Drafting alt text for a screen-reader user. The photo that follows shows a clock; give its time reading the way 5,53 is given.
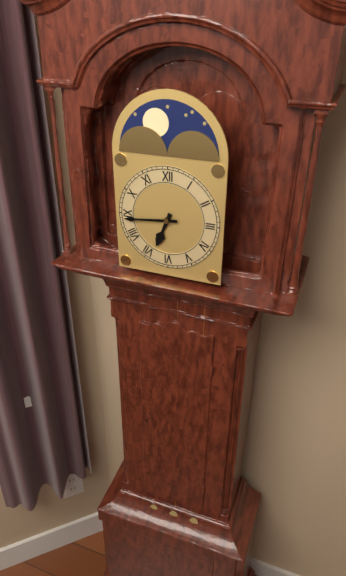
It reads 6,44
